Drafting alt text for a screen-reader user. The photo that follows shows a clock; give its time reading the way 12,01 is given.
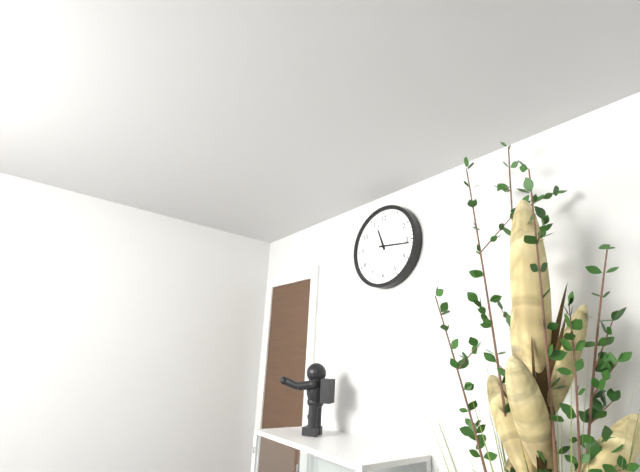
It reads 11,16
